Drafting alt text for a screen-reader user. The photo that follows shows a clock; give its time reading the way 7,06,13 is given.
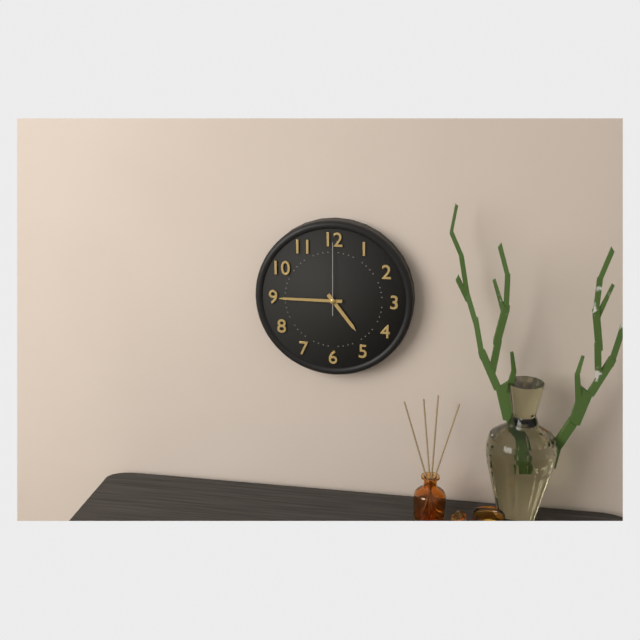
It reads 4,45,00
